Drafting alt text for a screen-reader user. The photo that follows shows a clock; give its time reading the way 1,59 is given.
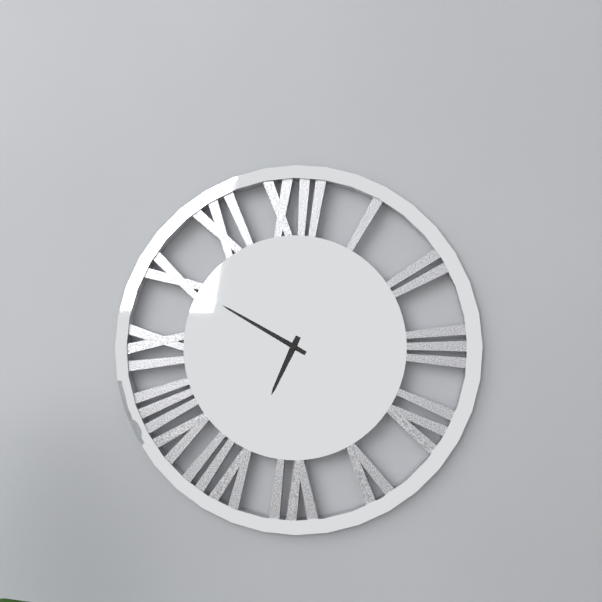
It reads 6,50
